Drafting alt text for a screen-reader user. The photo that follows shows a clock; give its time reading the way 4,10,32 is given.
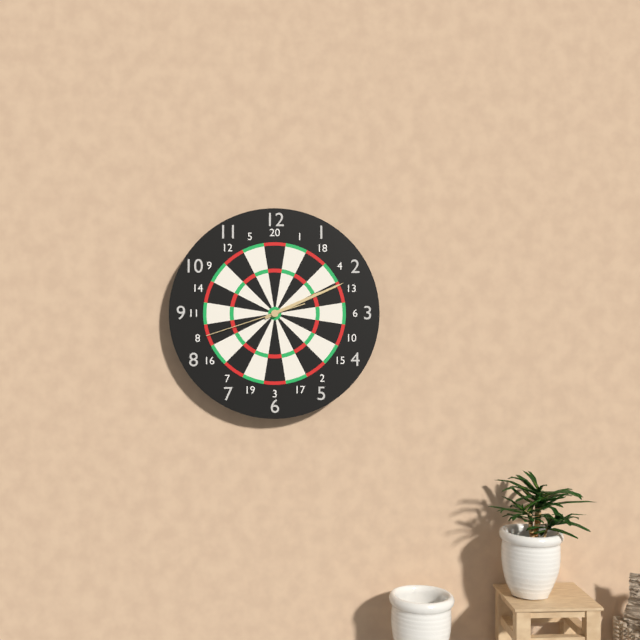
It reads 2,11,42
